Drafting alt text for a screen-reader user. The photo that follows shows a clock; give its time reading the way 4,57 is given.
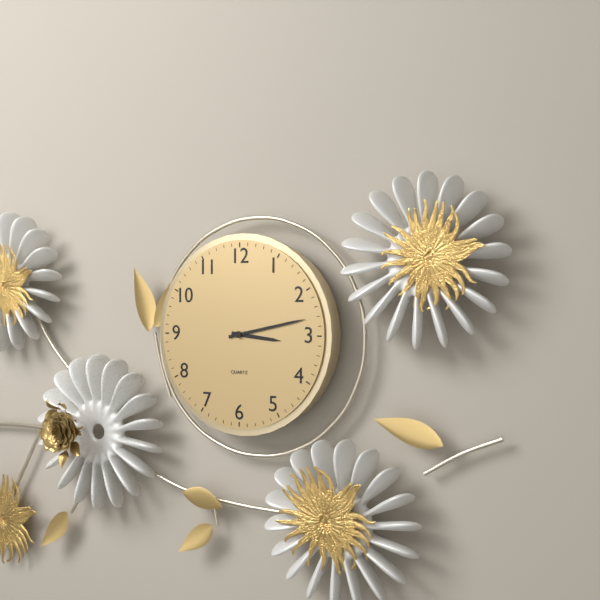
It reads 3,13
